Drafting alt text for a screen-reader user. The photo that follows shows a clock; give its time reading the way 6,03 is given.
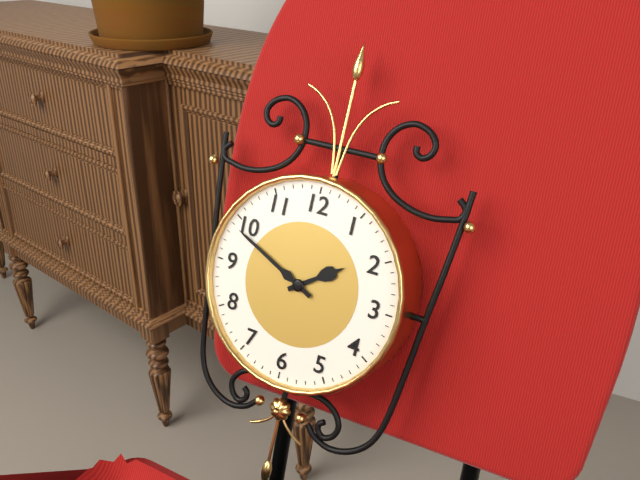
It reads 1,49
